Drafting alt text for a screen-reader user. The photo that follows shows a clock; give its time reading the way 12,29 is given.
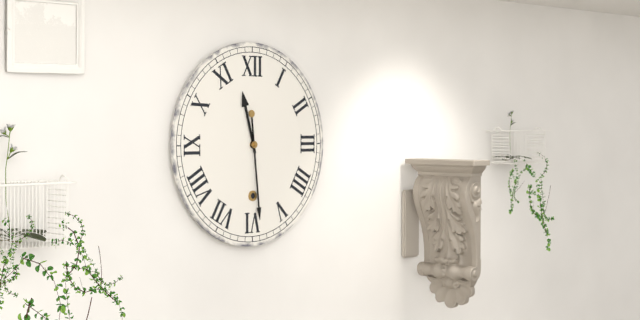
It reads 11,29
